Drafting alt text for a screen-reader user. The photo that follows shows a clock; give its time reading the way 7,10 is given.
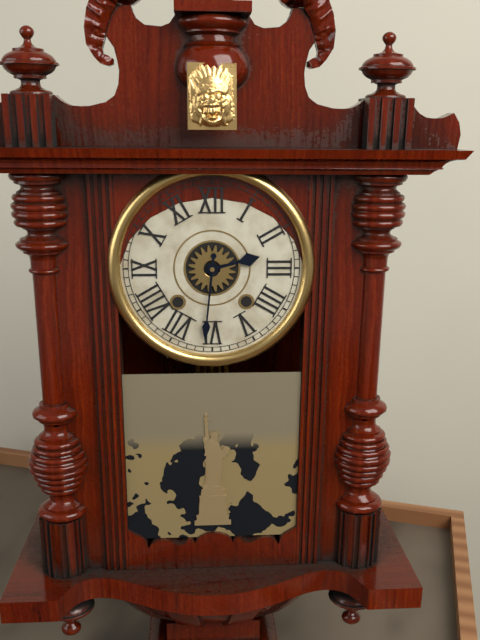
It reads 2,31
